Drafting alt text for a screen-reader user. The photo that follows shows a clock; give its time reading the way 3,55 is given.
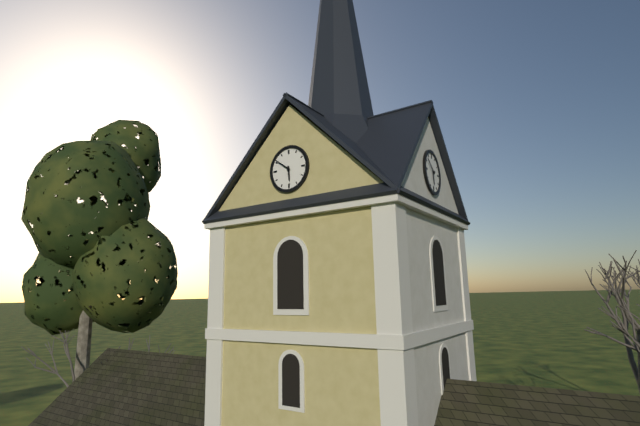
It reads 5,51
